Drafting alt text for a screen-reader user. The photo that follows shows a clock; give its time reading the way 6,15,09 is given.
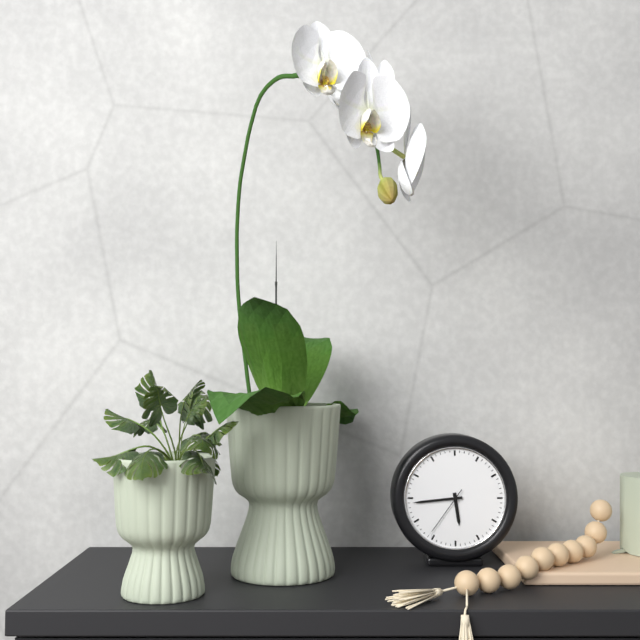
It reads 5,44,36
